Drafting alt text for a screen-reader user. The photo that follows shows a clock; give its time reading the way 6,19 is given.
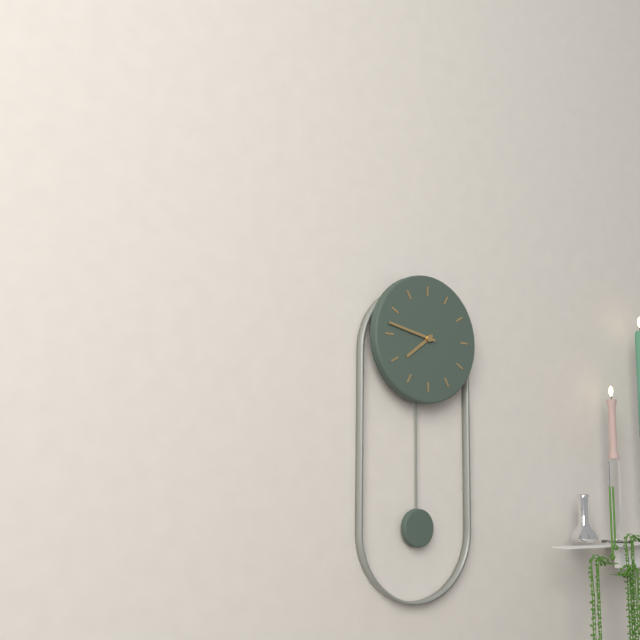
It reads 7,47
